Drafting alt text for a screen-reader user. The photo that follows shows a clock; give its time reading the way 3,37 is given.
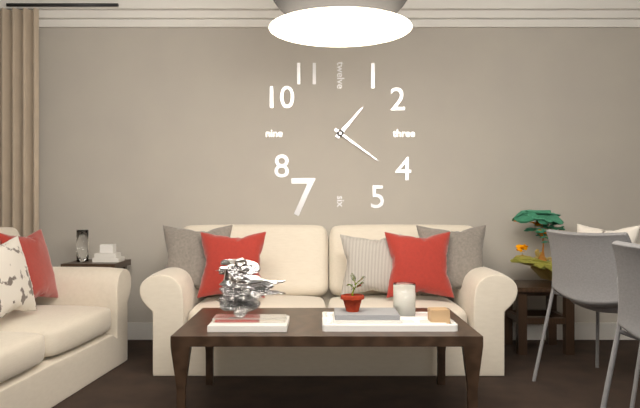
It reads 1,21
